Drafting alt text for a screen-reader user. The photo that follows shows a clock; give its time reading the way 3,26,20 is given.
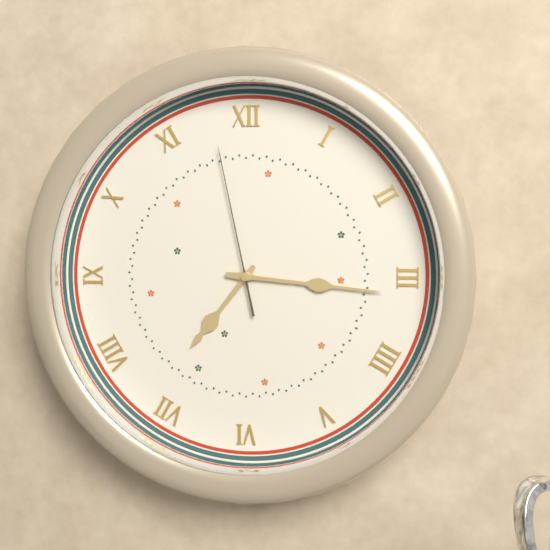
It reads 7,16,58
